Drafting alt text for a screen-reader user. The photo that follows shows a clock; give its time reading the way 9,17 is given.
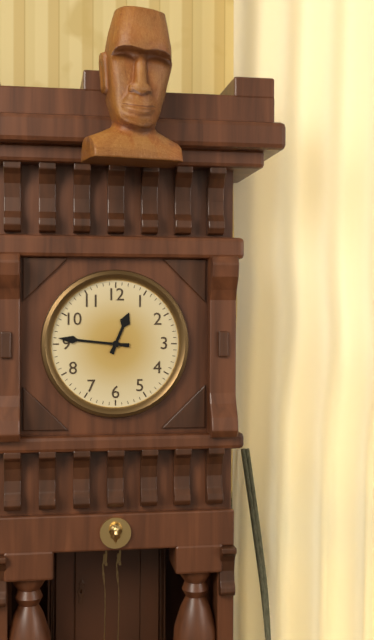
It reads 12,46
